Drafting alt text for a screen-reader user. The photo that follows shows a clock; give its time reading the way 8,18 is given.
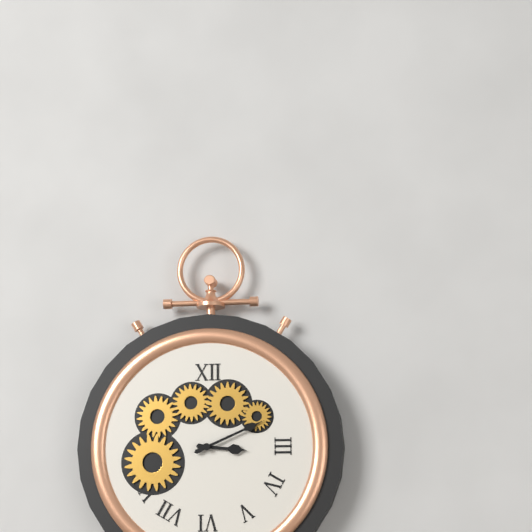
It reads 3,11
